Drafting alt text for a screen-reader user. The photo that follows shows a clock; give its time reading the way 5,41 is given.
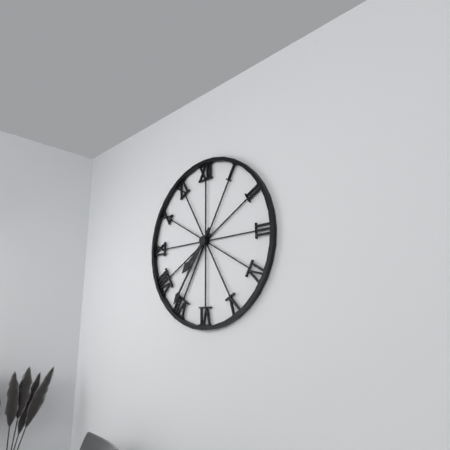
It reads 7,36
